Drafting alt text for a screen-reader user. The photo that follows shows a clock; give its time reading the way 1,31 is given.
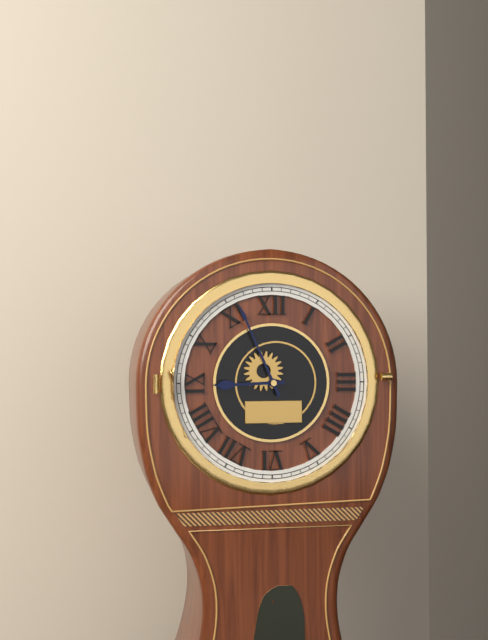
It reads 8,56
